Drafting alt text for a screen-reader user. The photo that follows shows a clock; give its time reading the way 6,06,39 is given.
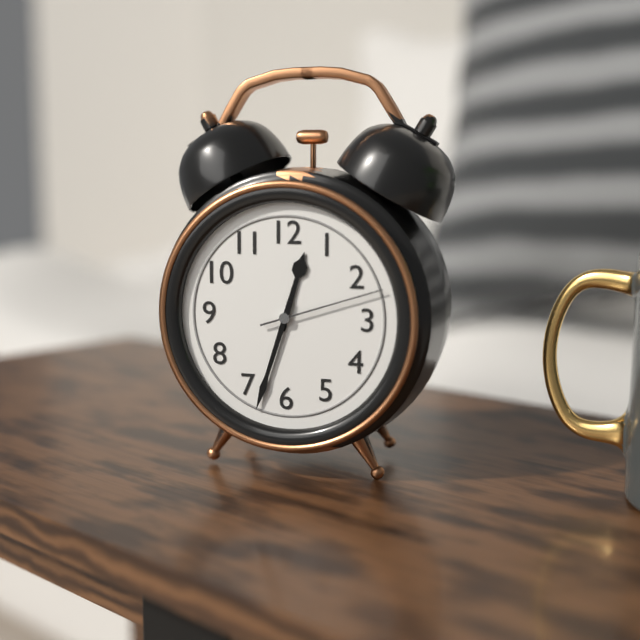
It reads 12,33,12
